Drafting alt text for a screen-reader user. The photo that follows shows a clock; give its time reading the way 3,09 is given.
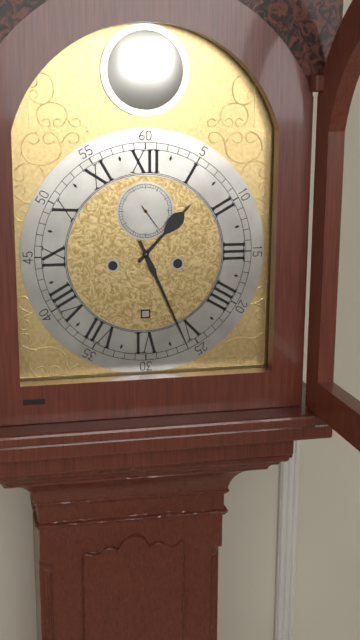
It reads 1,26
